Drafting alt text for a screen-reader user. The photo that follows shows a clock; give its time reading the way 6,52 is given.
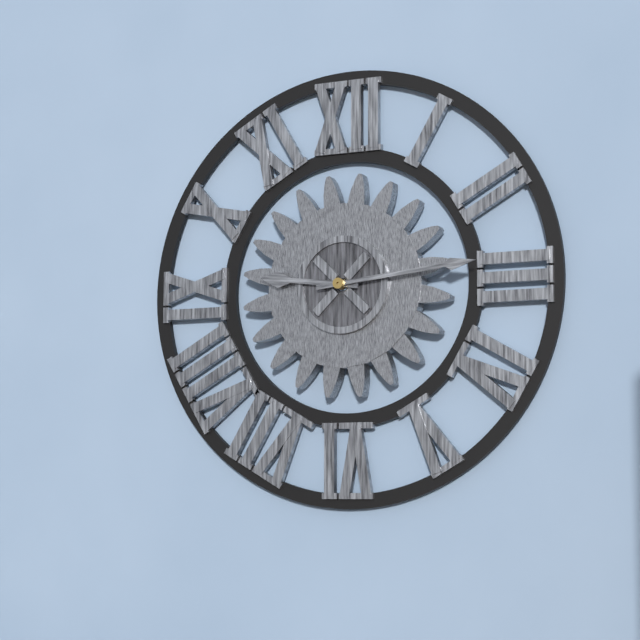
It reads 9,14
